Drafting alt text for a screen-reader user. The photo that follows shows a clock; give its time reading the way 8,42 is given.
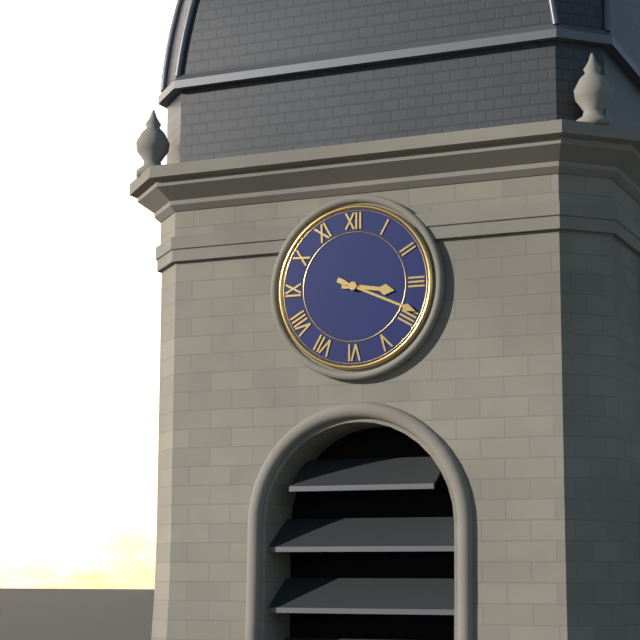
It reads 3,19
